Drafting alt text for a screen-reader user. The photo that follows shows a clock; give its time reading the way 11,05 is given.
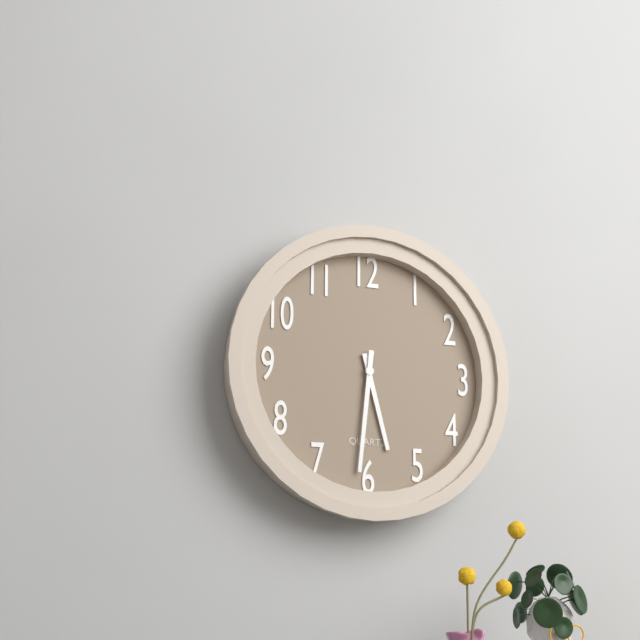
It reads 5,31
